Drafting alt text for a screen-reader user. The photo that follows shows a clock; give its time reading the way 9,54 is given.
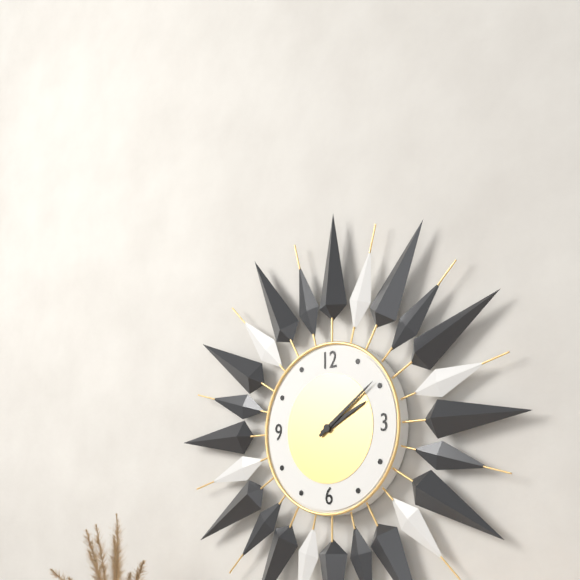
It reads 2,09
